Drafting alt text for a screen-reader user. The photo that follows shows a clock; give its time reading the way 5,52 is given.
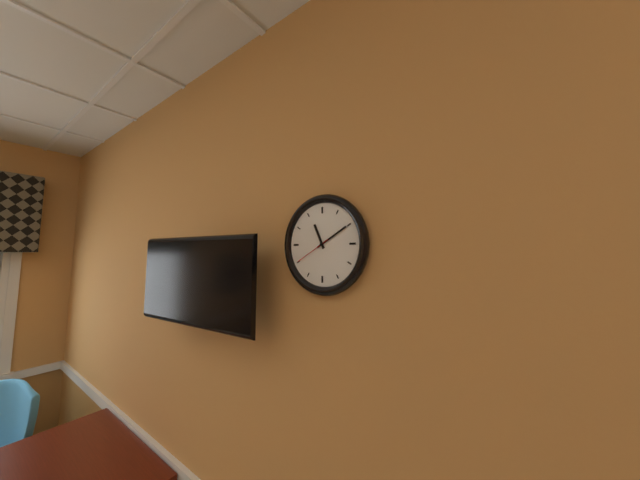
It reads 11,10
